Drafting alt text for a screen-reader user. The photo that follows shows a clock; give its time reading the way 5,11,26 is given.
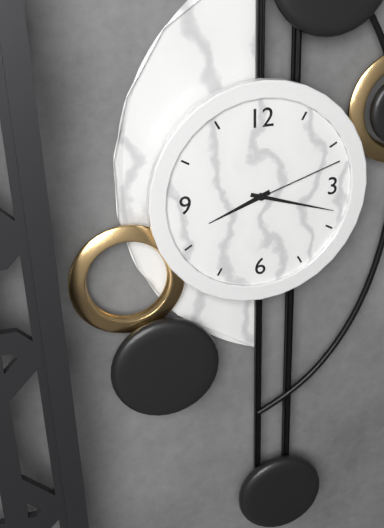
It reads 8,18,12
